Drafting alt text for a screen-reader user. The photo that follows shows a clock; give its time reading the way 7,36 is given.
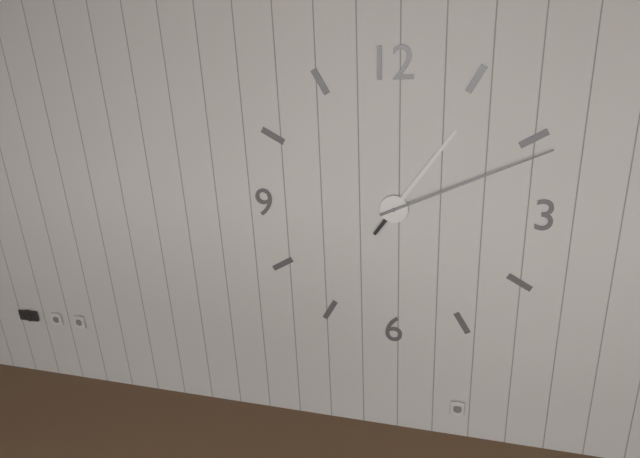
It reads 1,11
